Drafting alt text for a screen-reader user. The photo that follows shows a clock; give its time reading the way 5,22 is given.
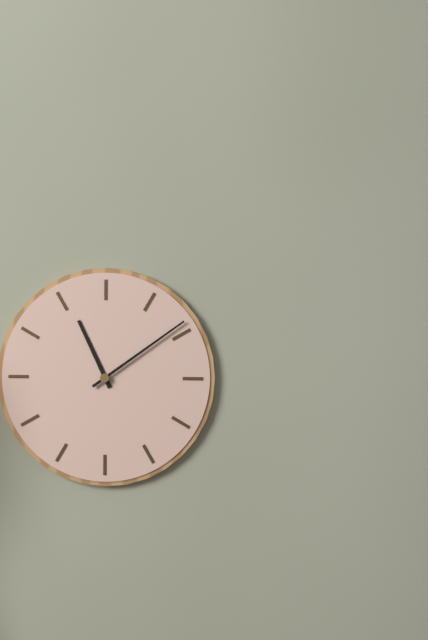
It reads 11,09
